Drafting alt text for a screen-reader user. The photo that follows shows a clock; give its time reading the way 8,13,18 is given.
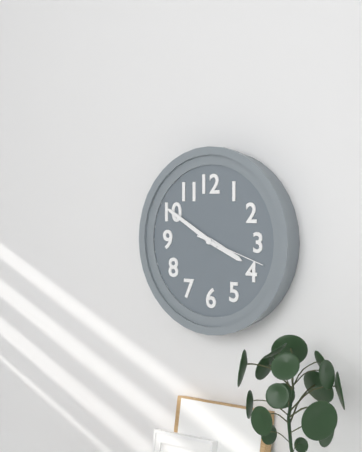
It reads 3,50,18
